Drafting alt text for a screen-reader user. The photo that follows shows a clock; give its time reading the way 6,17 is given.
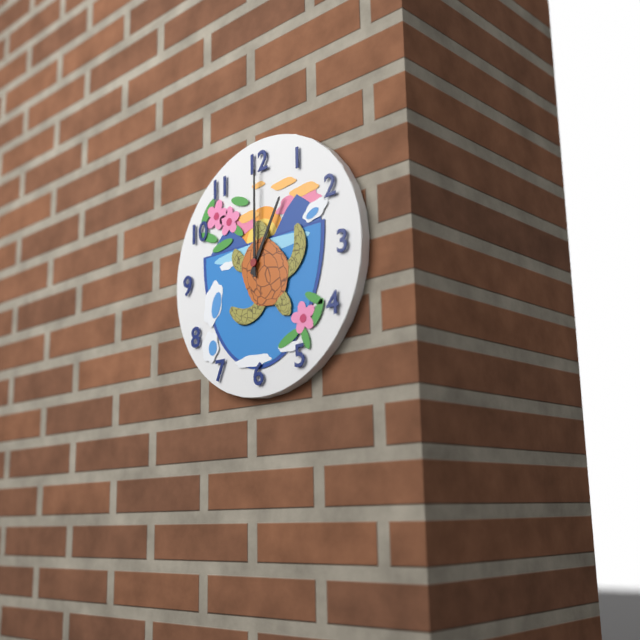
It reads 1,00
